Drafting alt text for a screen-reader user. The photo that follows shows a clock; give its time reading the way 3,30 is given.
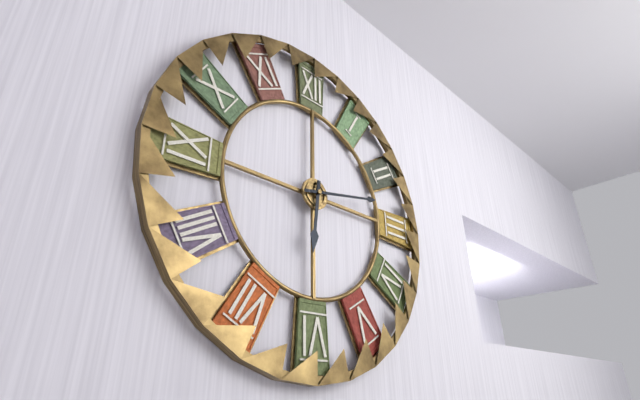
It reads 6,13
